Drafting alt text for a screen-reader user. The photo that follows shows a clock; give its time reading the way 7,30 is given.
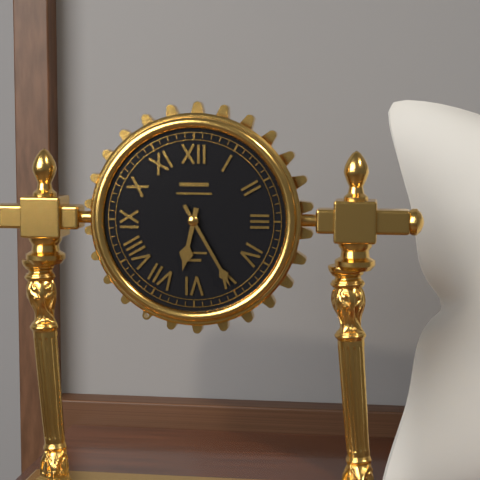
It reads 6,25
